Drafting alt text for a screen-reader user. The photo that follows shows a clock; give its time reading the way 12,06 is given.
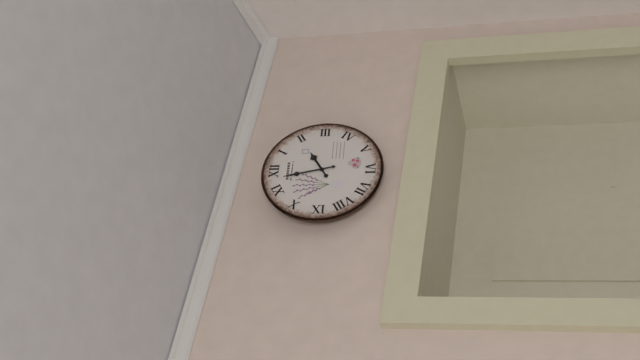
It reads 1,58
